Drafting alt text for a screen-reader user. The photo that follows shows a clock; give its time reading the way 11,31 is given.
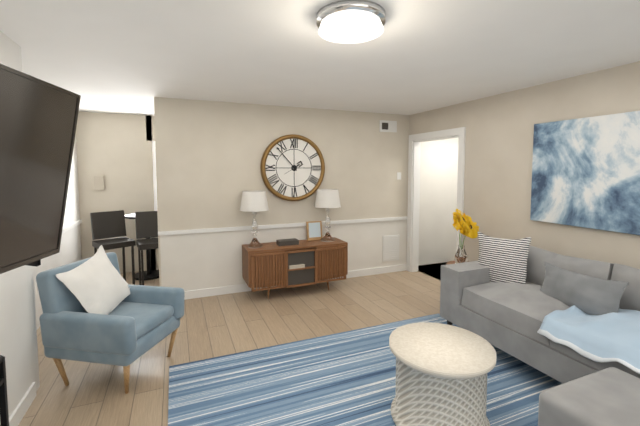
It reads 1,53
